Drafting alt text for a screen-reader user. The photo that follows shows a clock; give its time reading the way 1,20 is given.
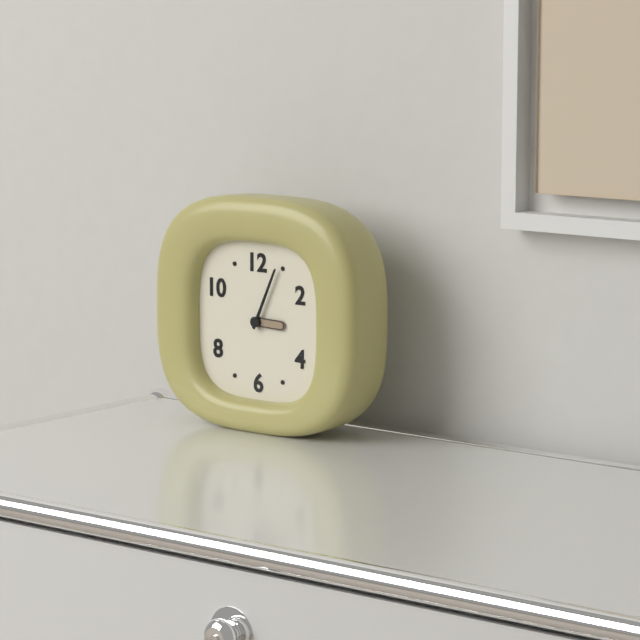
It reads 3,04
